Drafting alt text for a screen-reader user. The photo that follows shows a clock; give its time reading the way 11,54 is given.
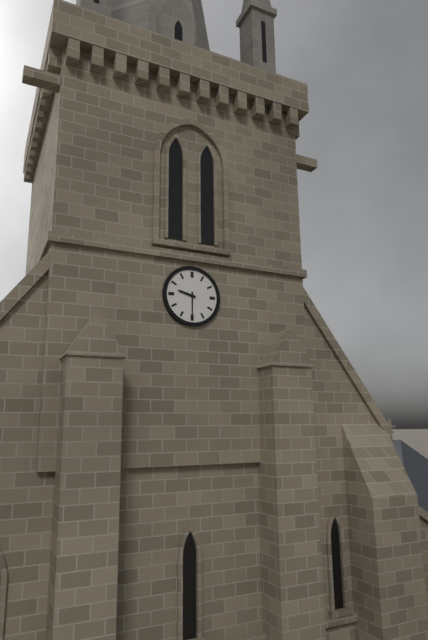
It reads 9,30
